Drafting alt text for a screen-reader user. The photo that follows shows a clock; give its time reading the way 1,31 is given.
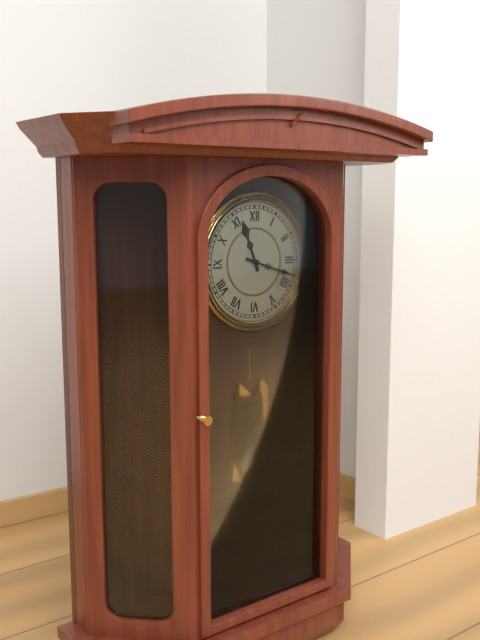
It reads 11,18
